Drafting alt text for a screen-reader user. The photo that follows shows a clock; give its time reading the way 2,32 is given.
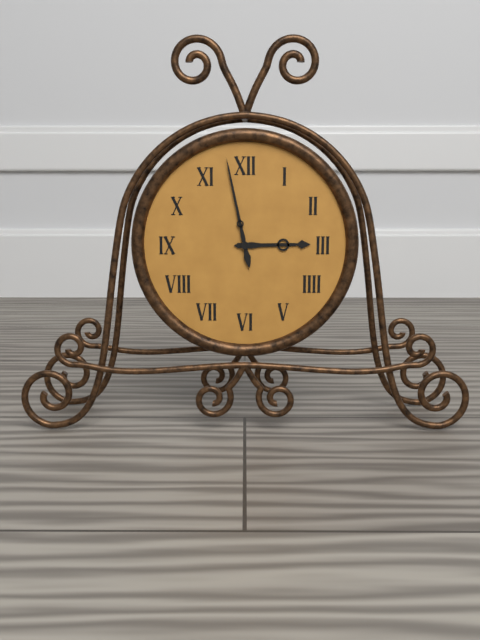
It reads 2,58
